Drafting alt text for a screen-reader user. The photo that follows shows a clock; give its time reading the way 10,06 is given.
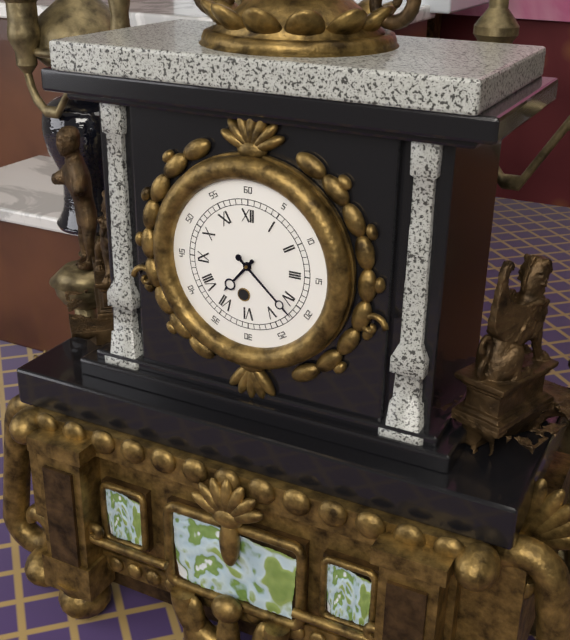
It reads 7,22
